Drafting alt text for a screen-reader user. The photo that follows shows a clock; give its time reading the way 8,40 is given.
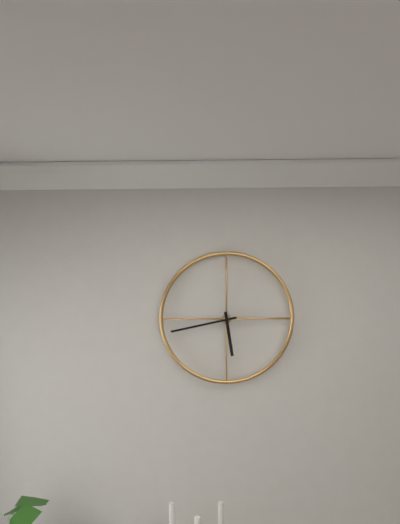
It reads 5,43
